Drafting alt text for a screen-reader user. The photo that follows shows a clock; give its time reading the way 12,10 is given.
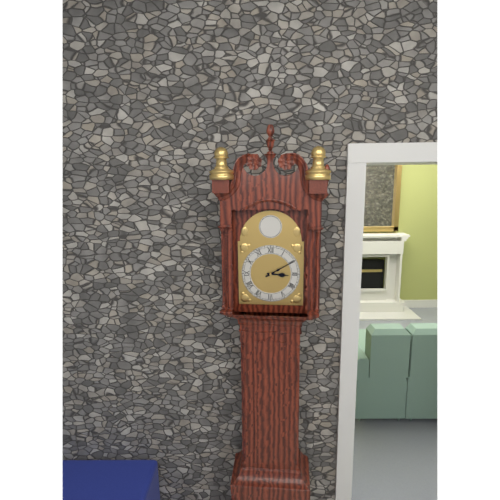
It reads 3,10
